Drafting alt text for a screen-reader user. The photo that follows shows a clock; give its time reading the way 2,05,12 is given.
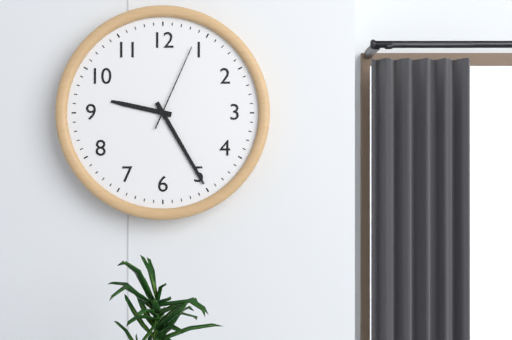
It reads 9,25,04
